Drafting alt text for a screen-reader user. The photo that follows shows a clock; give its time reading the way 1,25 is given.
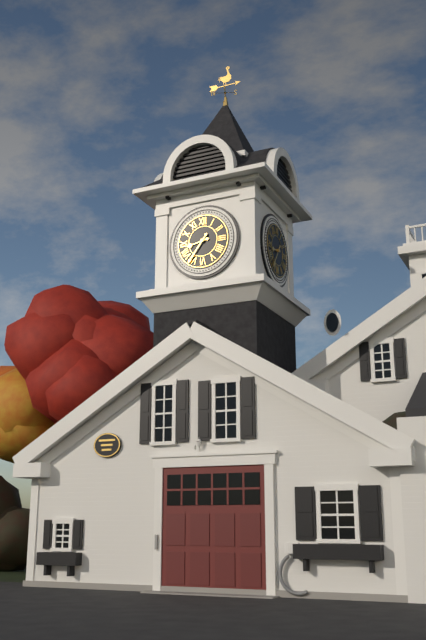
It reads 8,36
